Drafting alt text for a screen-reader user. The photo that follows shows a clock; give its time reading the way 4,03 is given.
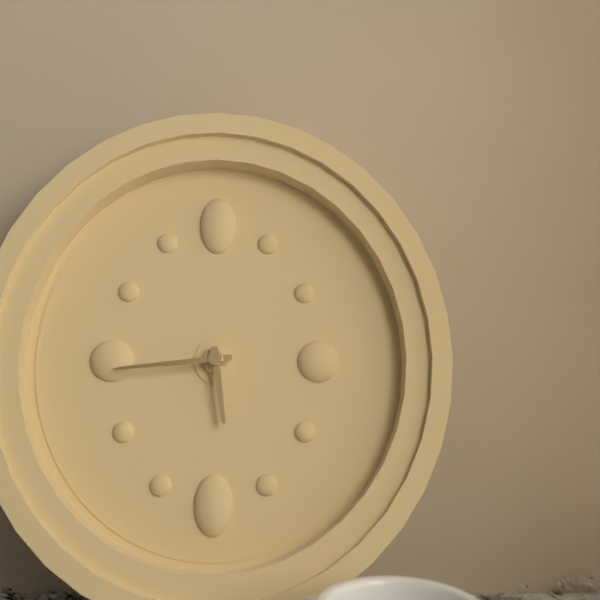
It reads 5,44
